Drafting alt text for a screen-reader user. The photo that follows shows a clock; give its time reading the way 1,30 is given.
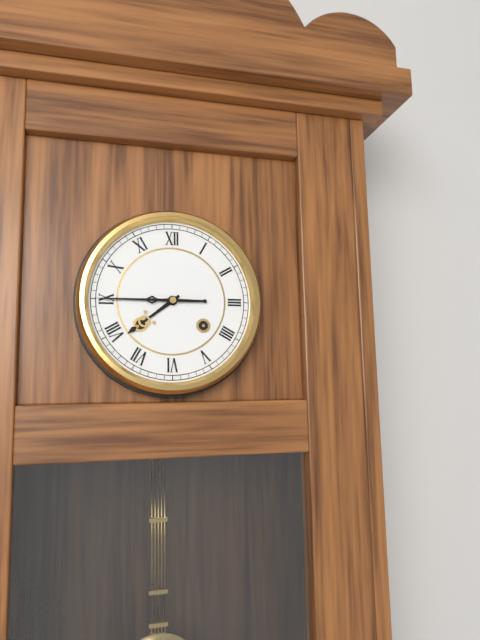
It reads 7,45
